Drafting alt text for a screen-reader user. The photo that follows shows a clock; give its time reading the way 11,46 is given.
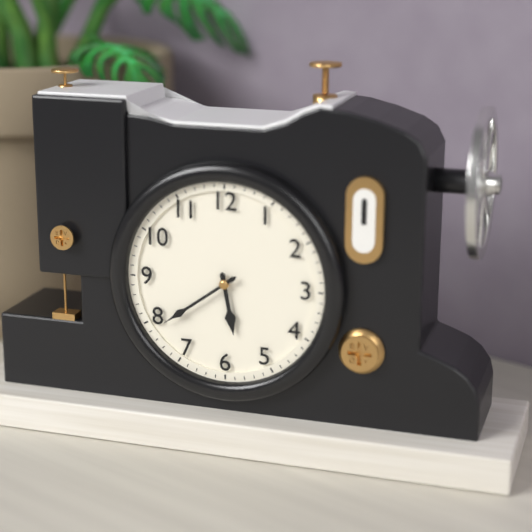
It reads 5,39
